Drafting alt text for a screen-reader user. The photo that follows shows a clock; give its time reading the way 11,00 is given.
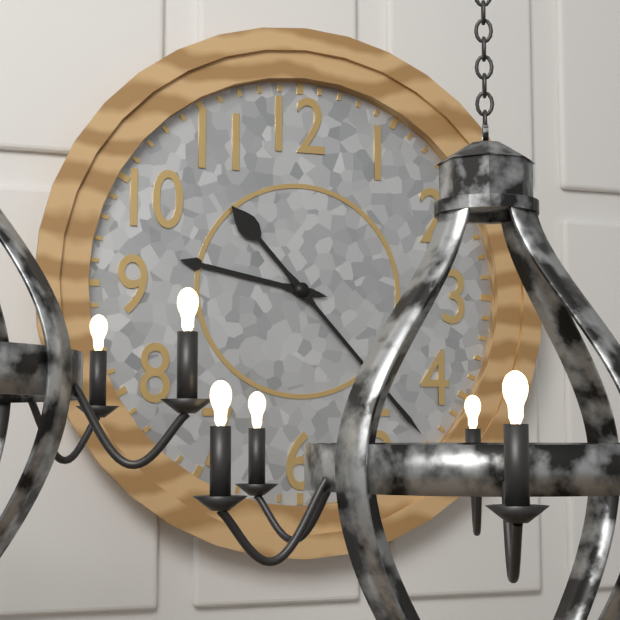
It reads 9,23
